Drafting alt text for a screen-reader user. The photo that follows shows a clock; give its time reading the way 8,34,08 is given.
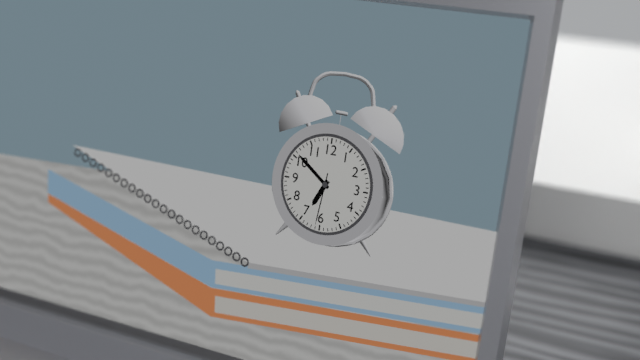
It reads 6,51,31
